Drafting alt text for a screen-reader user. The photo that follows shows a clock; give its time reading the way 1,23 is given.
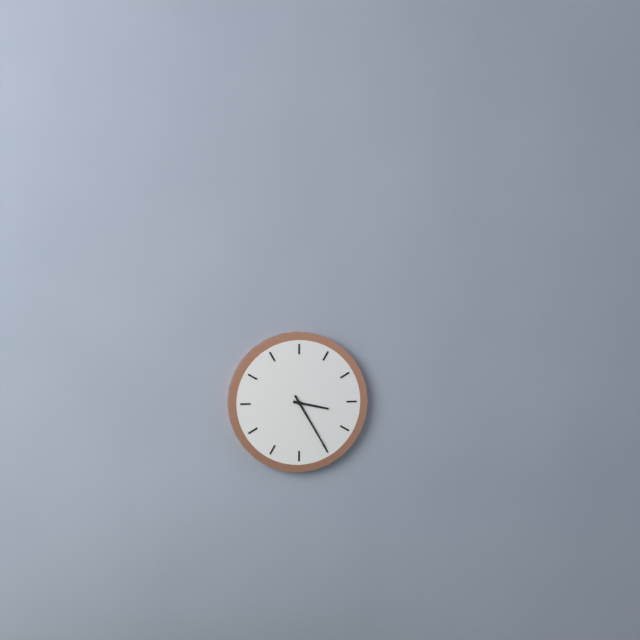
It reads 3,25
